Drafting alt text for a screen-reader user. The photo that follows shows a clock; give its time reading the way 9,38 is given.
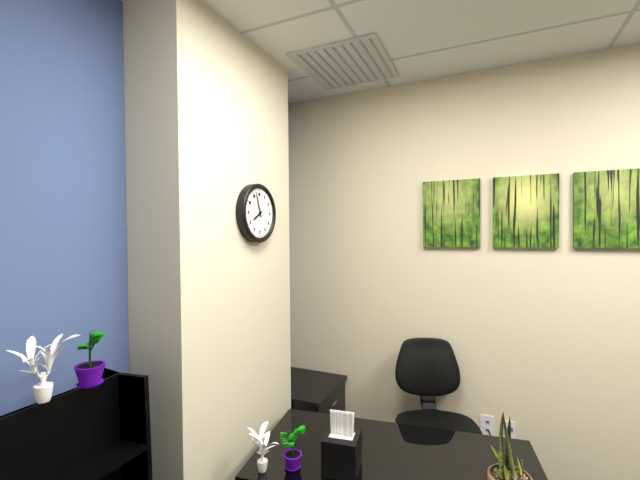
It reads 7,57
